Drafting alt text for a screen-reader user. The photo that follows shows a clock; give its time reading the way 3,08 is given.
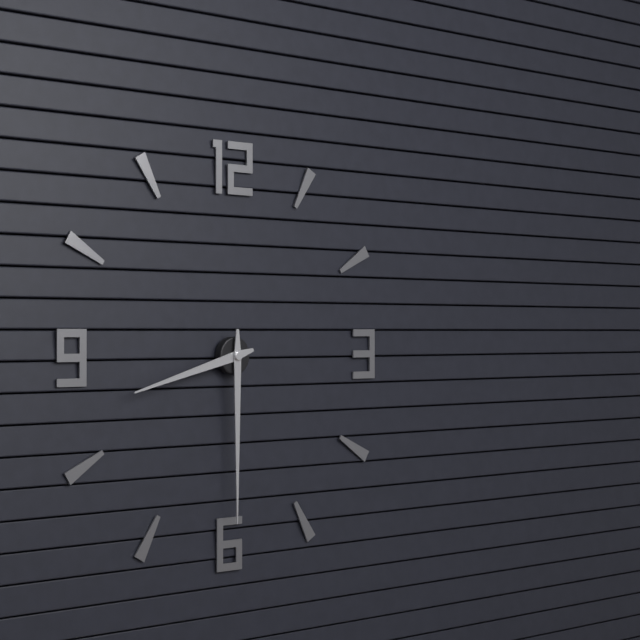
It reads 8,30
